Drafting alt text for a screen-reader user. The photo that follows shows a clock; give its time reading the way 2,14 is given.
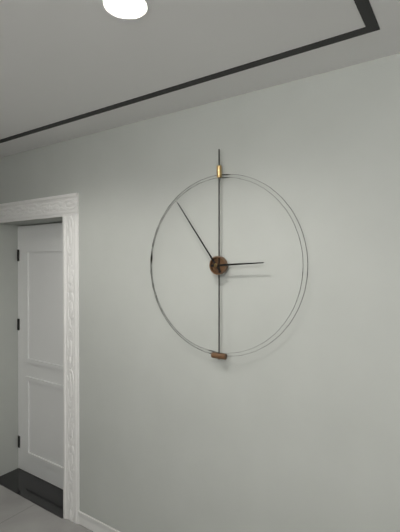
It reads 2,54
